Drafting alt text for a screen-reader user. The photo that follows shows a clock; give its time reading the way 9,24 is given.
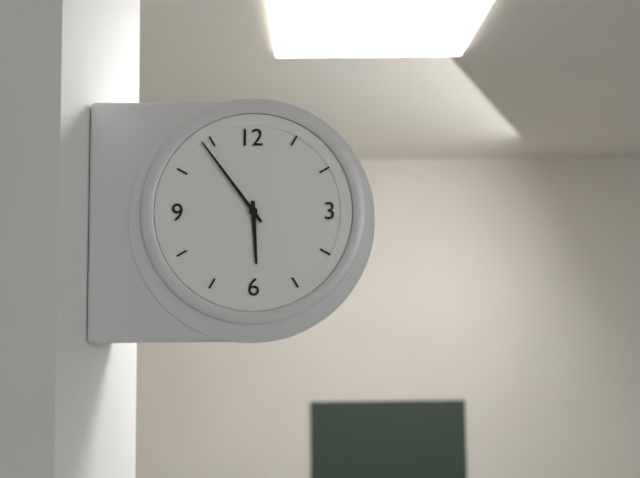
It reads 5,54
